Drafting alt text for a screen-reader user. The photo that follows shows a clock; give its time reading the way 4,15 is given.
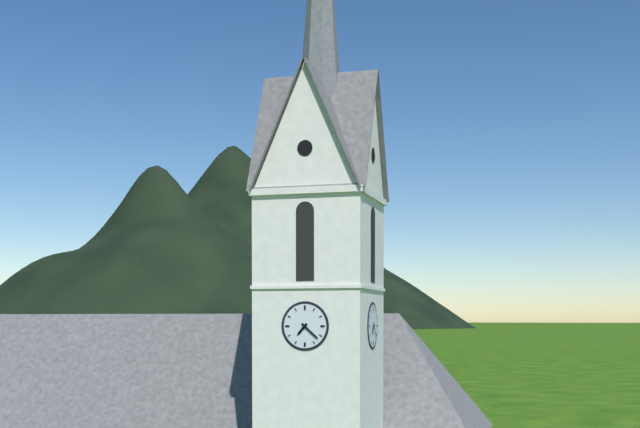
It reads 7,22
